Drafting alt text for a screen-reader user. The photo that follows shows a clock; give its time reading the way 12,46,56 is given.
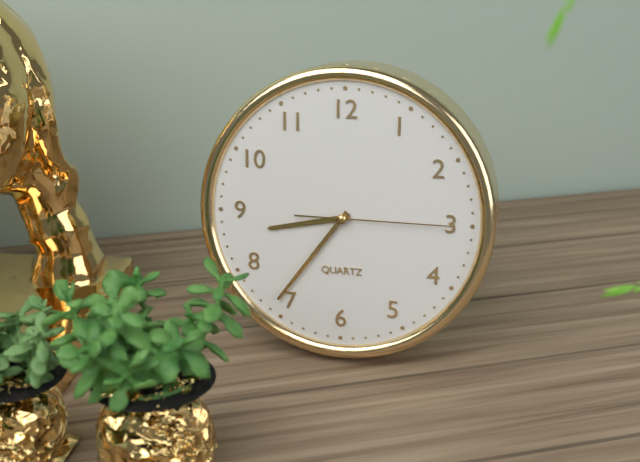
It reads 8,36,15
